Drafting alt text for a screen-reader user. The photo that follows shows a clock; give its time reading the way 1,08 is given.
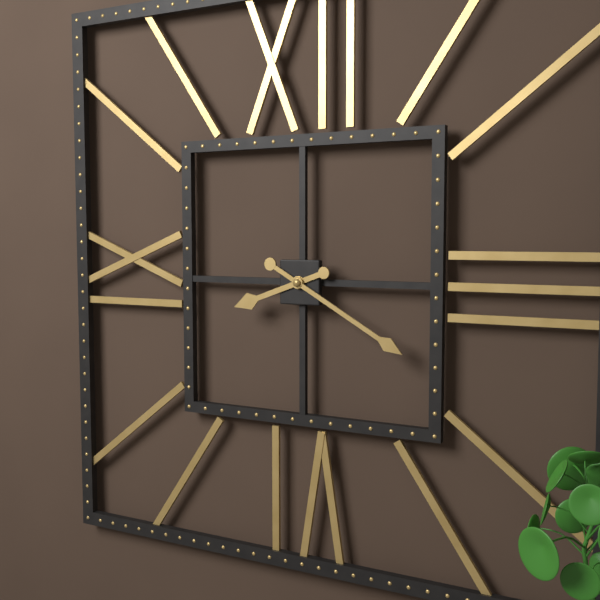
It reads 8,20
